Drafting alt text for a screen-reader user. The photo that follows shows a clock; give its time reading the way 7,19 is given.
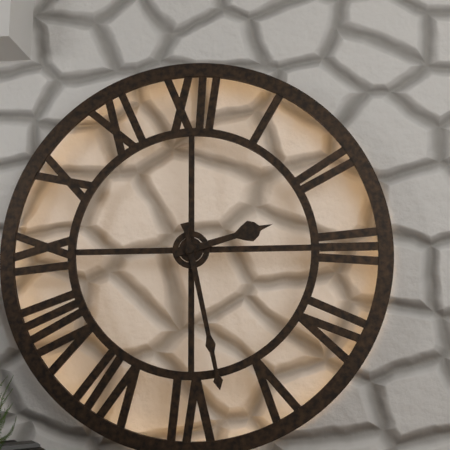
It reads 2,28
